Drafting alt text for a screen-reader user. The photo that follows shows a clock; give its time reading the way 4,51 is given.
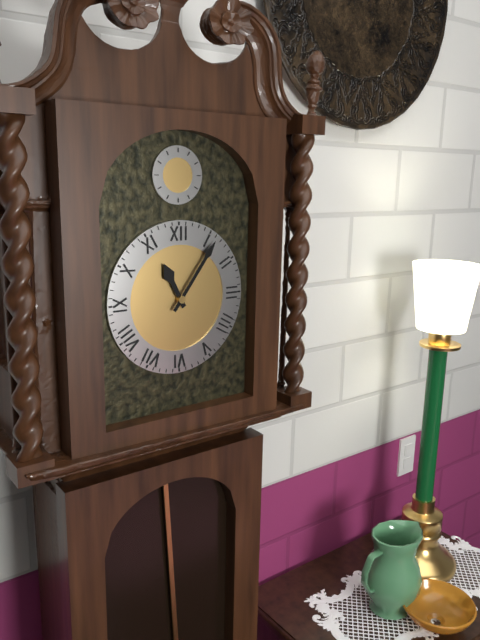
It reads 11,06
